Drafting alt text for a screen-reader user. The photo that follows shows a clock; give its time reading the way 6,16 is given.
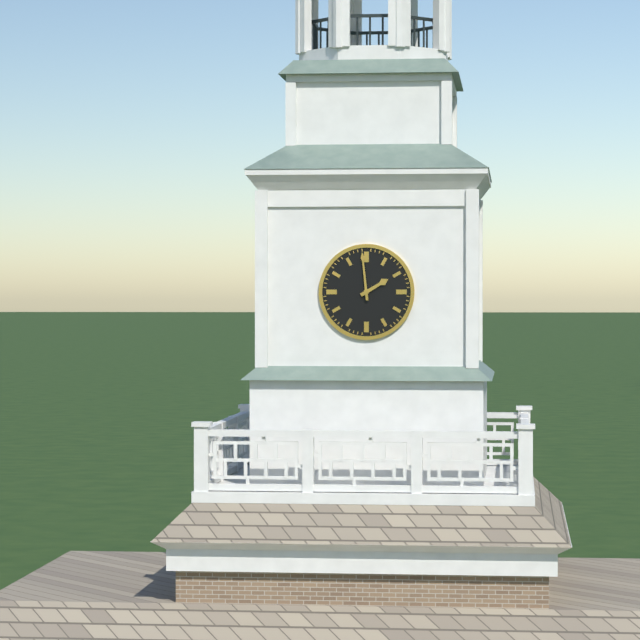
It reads 1,59
